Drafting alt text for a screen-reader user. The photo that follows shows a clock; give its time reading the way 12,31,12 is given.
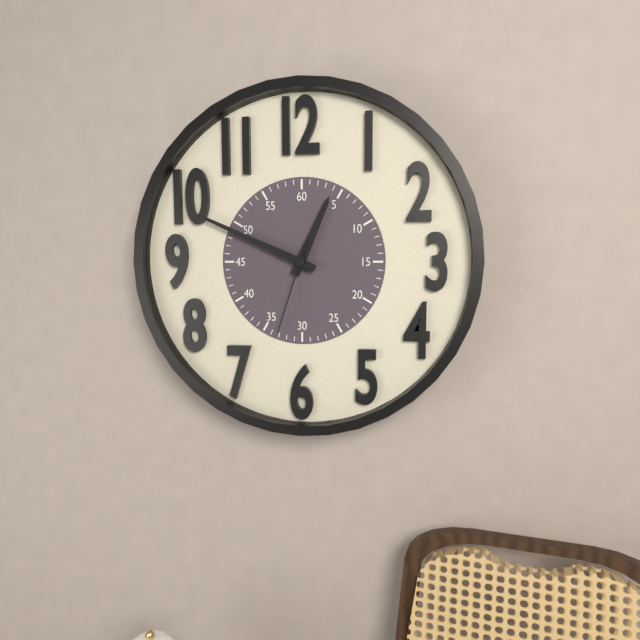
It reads 12,49,33
